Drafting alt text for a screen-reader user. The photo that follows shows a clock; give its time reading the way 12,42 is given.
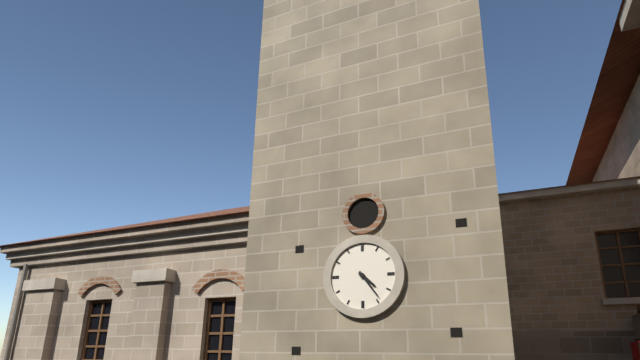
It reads 4,24
